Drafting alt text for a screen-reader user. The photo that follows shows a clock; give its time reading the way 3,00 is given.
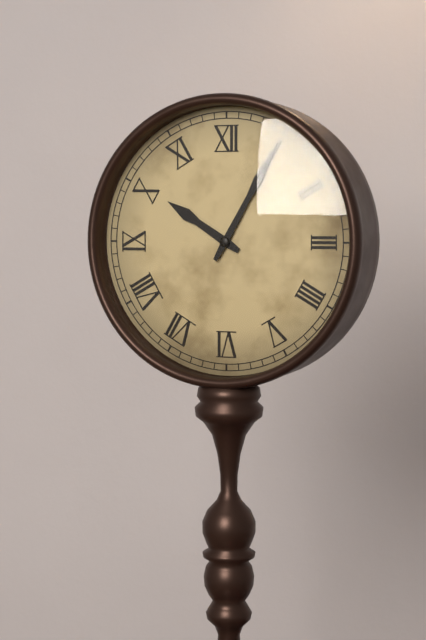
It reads 10,05
